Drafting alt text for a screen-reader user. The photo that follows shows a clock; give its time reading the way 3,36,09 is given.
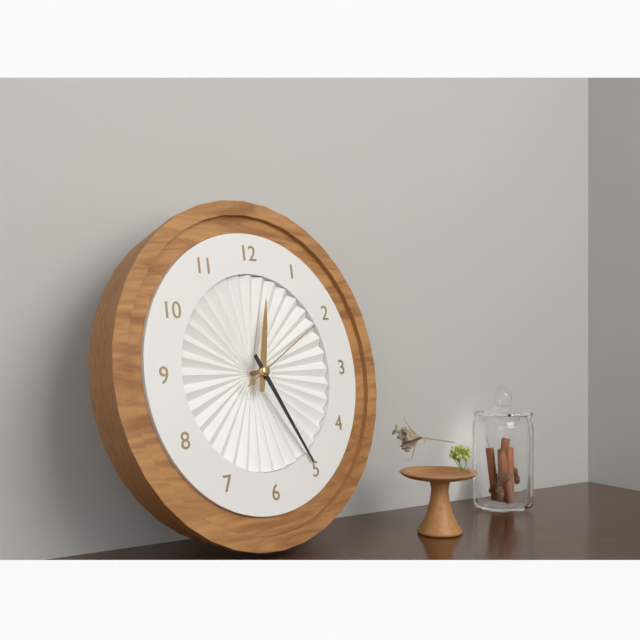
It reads 12,25,10
